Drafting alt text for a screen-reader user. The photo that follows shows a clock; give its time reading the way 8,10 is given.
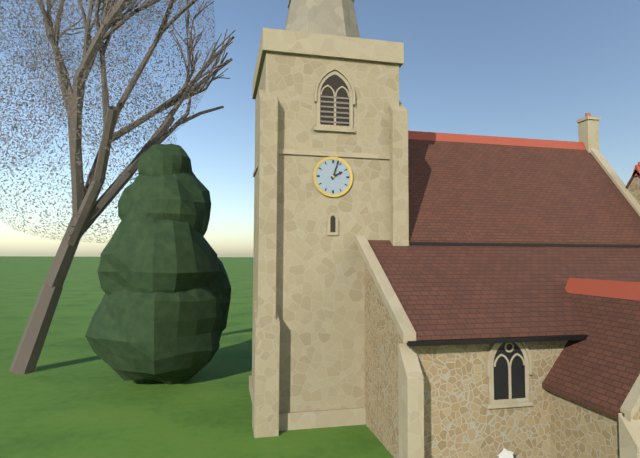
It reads 2,03
